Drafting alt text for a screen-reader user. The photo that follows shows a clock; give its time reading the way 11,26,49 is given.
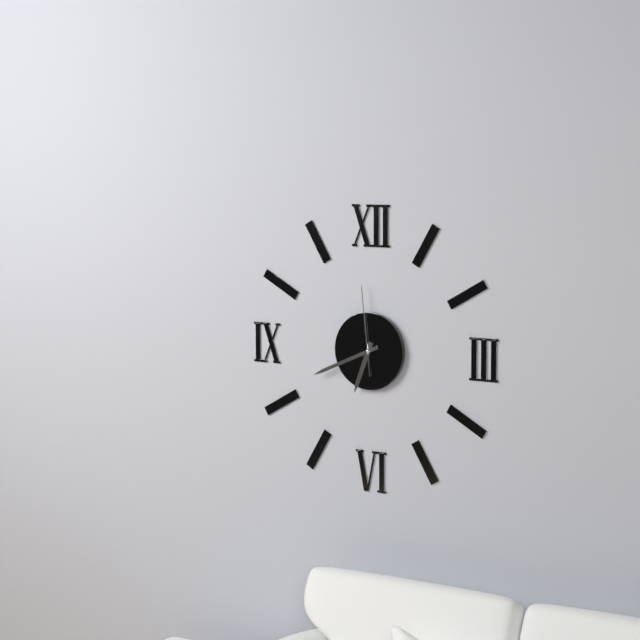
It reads 6,41,59
